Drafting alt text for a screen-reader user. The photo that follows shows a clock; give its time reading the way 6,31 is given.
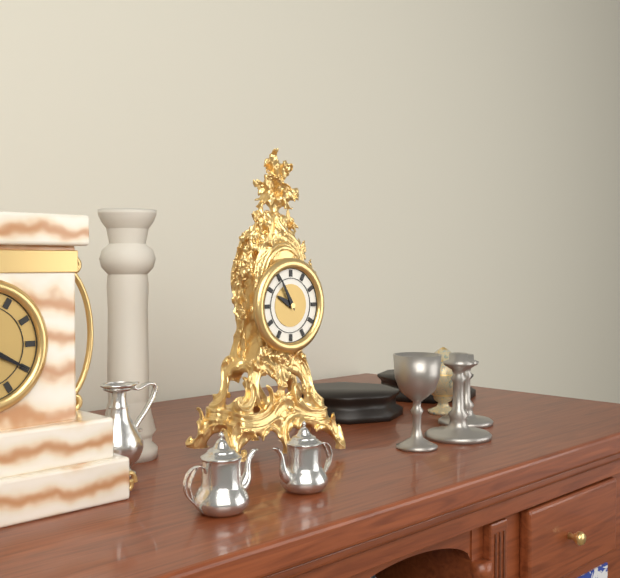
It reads 9,55
